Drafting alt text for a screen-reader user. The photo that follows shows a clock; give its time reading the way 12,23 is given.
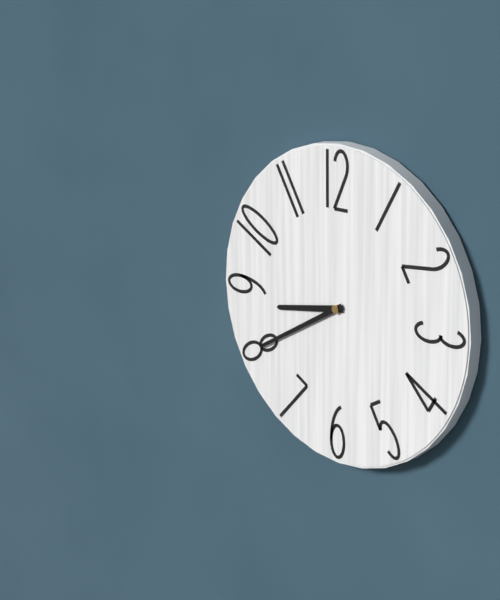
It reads 8,40
